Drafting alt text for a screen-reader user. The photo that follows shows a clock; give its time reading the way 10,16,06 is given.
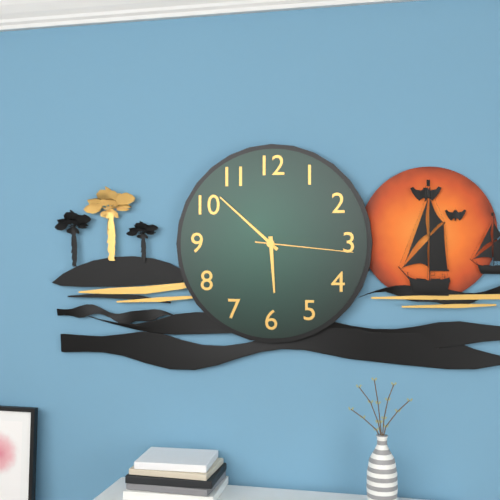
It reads 5,52,16
